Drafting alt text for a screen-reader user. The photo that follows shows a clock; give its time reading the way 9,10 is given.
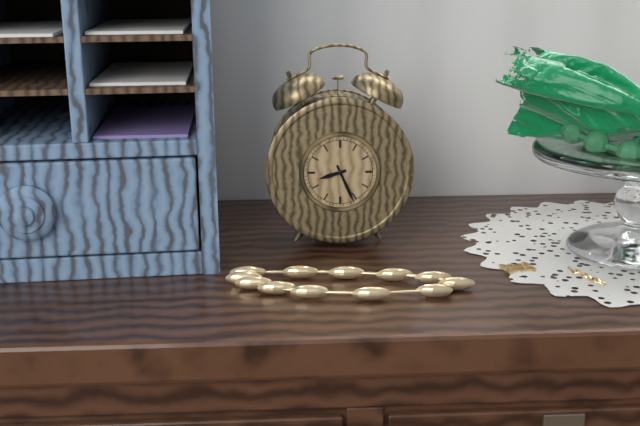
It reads 8,26
